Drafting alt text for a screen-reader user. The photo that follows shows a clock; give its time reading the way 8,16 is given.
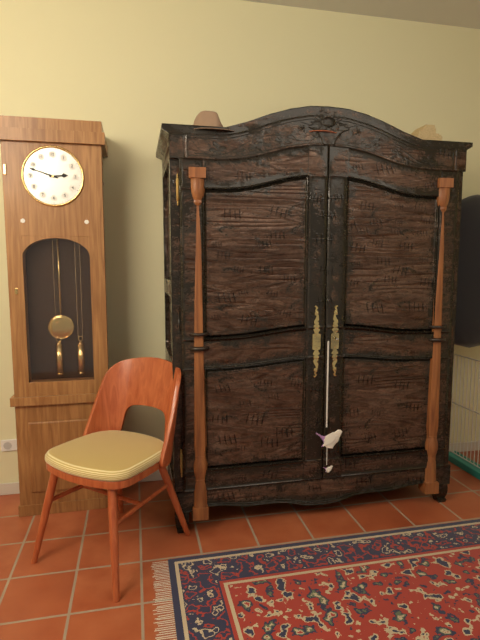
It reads 2,48
